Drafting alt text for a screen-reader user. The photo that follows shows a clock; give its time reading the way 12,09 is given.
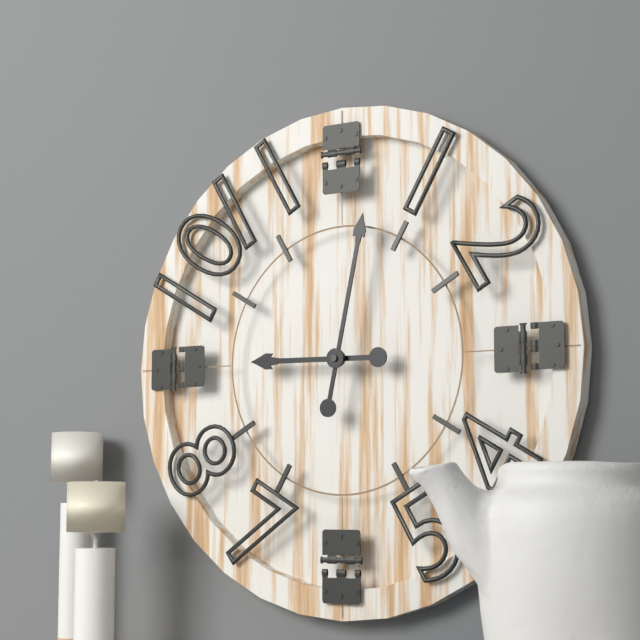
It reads 9,02
